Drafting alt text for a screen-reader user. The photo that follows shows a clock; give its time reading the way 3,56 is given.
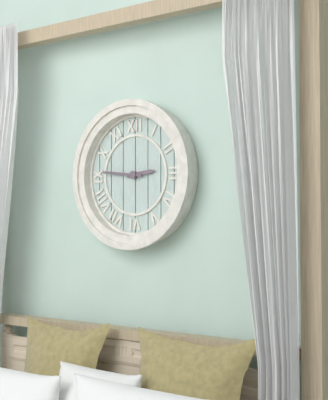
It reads 2,46
